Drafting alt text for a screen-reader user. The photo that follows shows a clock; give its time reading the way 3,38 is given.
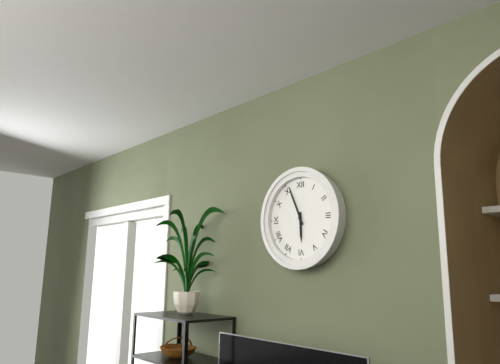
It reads 5,56
